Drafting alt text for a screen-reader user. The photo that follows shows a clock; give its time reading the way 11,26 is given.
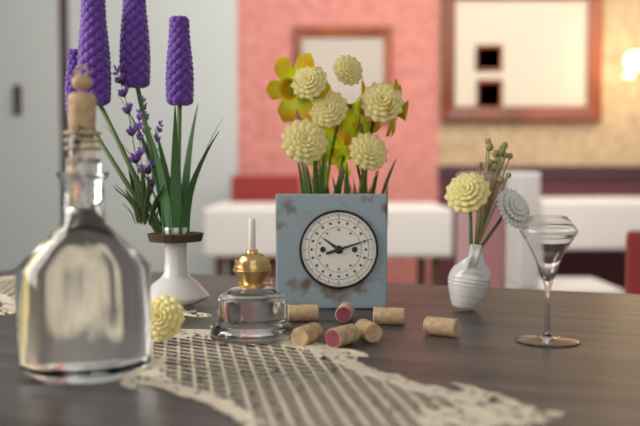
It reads 10,12
